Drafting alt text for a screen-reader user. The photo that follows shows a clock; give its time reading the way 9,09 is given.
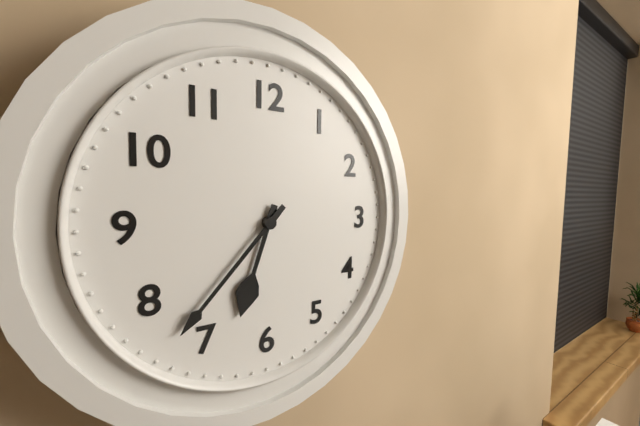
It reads 6,37
